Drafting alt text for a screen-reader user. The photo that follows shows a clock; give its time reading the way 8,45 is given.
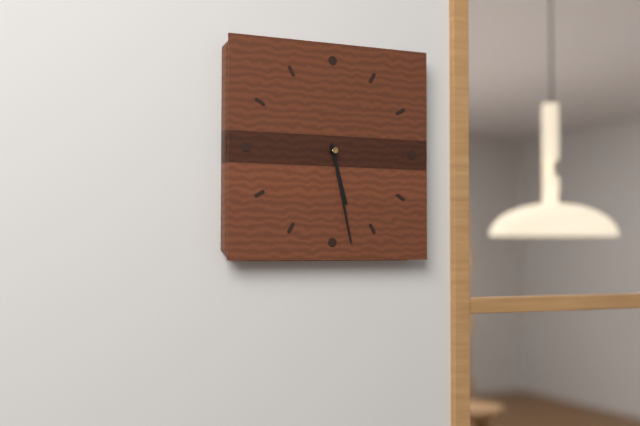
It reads 5,28
